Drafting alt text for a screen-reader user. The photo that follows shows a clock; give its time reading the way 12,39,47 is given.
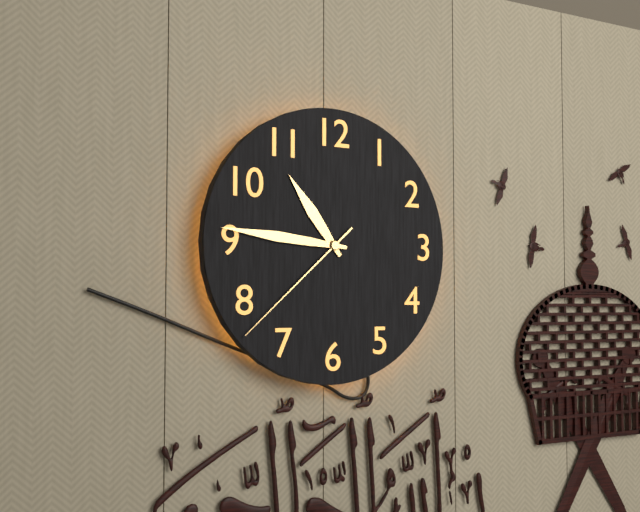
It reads 10,46,38
